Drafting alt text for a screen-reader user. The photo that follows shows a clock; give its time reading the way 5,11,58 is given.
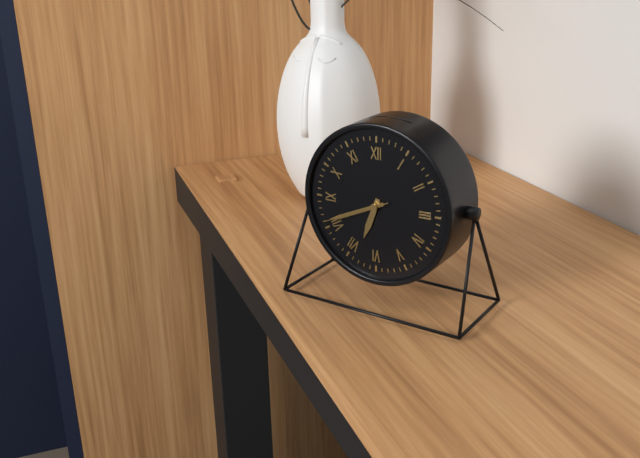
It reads 6,41,41
